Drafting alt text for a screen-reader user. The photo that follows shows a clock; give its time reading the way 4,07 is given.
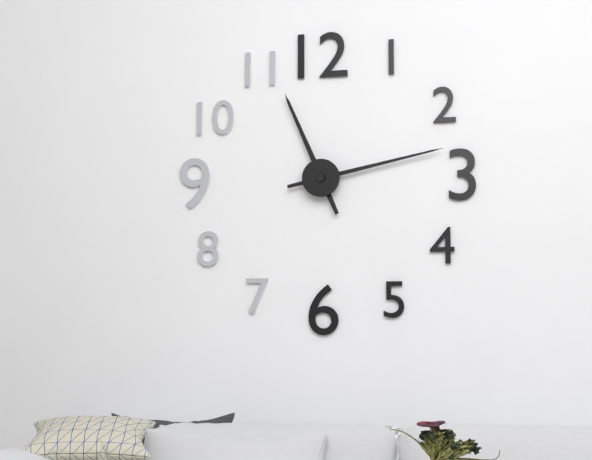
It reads 11,13
